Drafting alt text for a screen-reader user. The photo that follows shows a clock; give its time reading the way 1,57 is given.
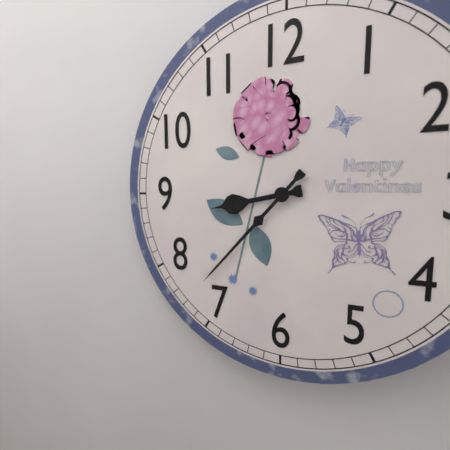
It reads 8,37
